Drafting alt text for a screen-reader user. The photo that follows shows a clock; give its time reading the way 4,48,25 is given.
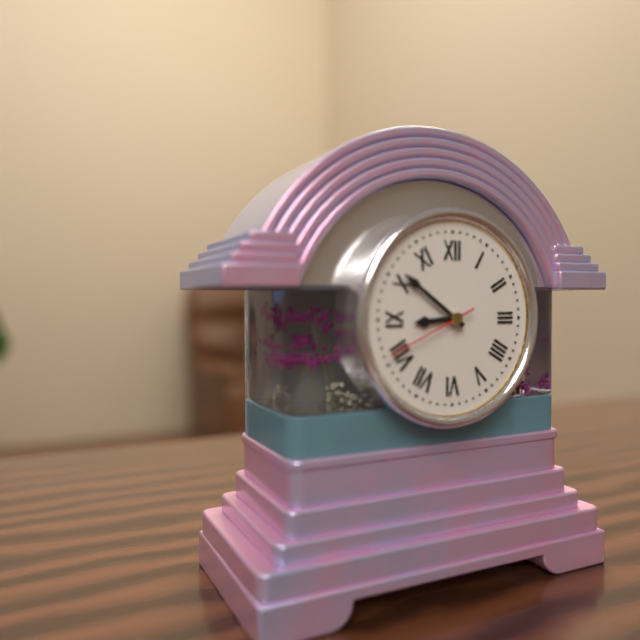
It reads 8,51,41
